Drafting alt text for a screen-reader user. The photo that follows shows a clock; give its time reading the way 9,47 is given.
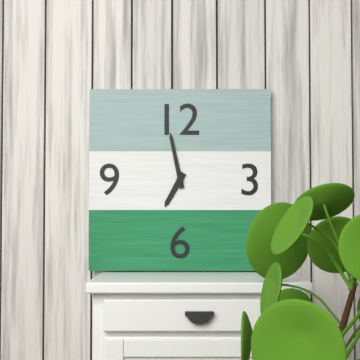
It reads 6,58
